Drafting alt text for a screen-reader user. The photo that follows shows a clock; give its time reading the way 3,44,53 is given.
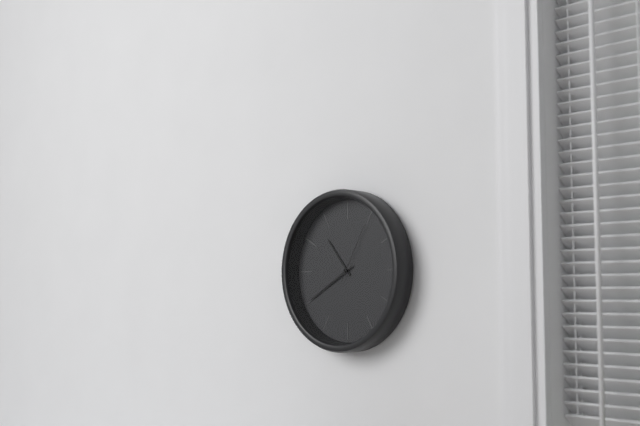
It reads 10,40,05
